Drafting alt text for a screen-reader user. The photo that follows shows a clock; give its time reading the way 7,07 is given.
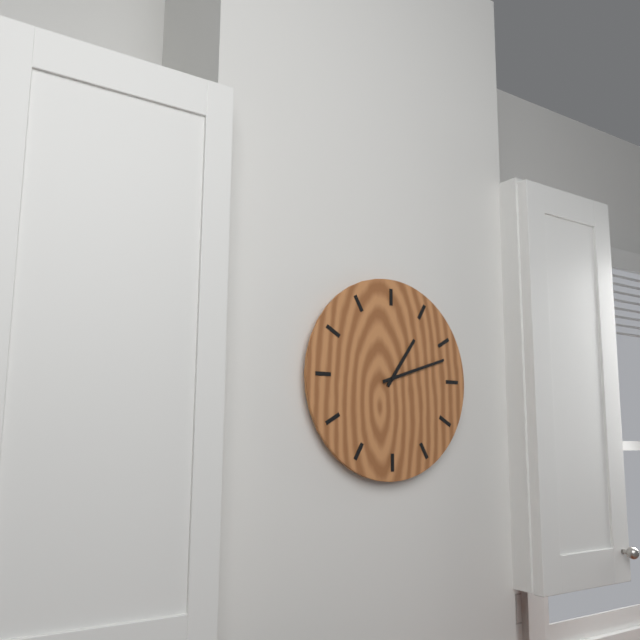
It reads 1,12
